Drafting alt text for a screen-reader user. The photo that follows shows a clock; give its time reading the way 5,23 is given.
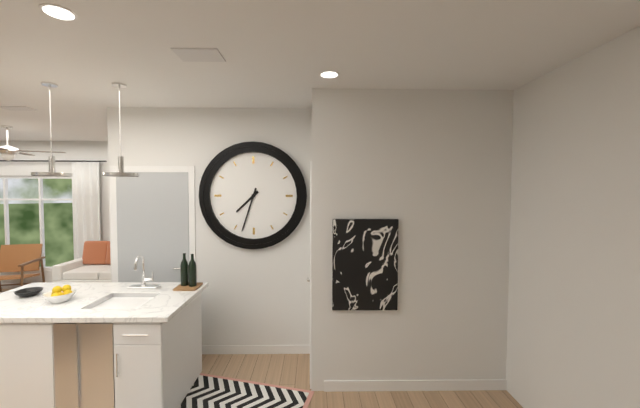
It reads 7,33
